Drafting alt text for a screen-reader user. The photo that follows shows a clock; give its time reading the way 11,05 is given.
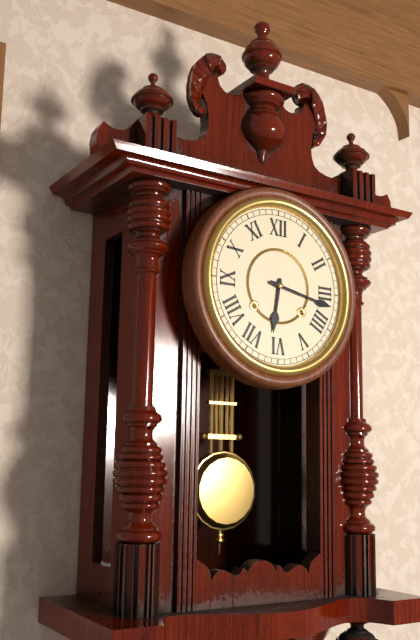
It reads 6,17
